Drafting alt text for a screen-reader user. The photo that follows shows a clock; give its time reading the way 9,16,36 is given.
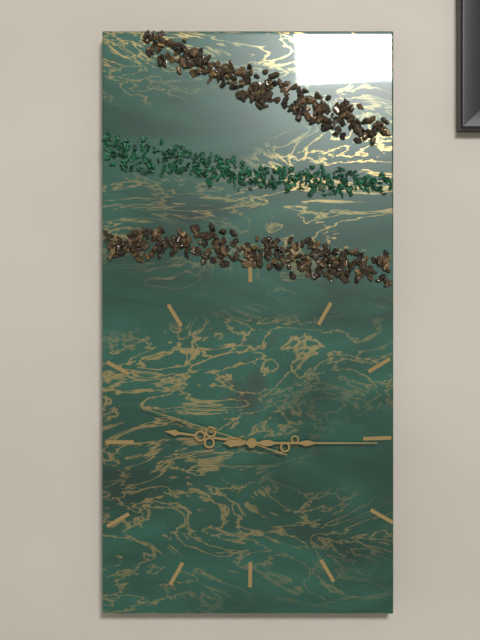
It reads 9,15,48
